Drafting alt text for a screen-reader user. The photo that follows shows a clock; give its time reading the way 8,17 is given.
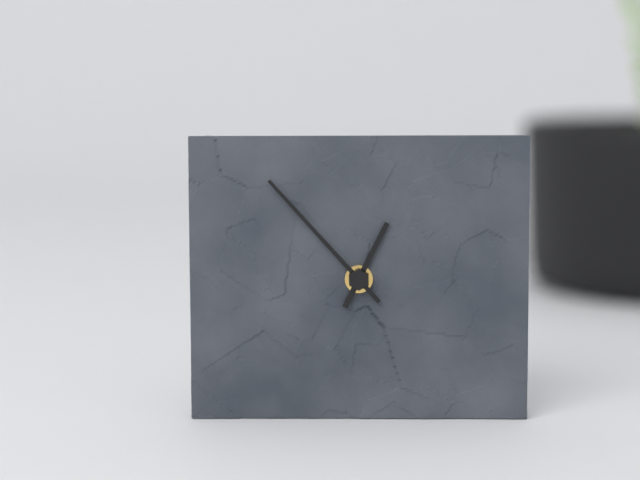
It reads 12,53
